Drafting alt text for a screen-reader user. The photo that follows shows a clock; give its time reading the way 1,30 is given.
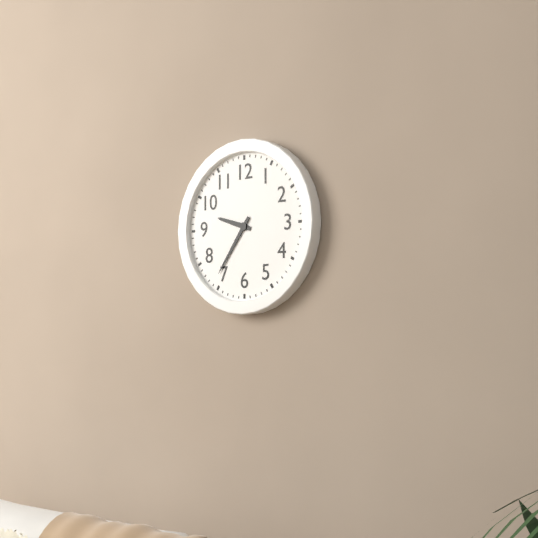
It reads 9,36
